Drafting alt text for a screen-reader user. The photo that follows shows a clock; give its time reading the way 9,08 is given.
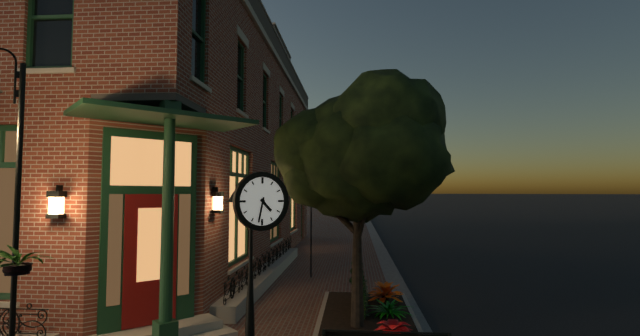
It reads 4,32
